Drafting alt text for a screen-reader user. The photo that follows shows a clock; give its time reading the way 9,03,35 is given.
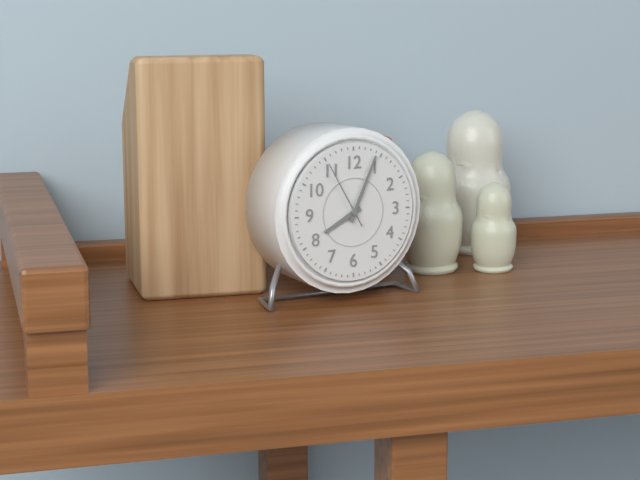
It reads 8,04,55
